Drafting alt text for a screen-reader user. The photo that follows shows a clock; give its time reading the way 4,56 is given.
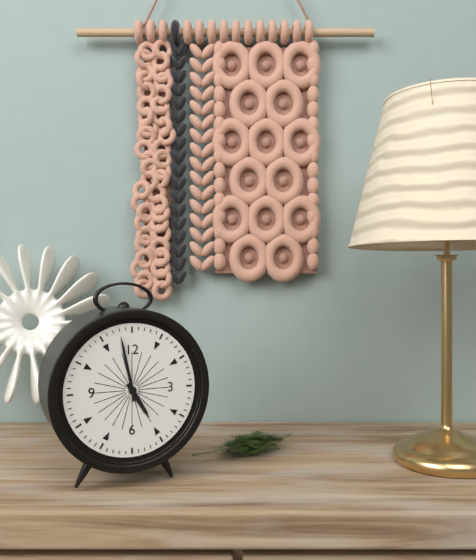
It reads 4,58
